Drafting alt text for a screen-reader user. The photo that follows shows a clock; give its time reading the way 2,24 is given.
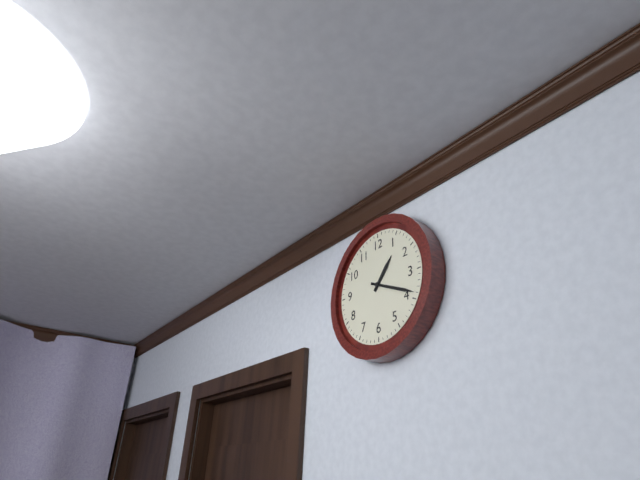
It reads 1,19
